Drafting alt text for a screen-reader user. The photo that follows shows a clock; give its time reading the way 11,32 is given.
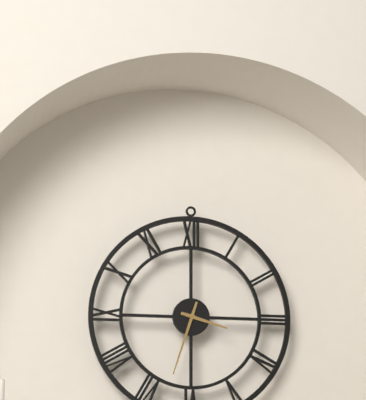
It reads 3,33
